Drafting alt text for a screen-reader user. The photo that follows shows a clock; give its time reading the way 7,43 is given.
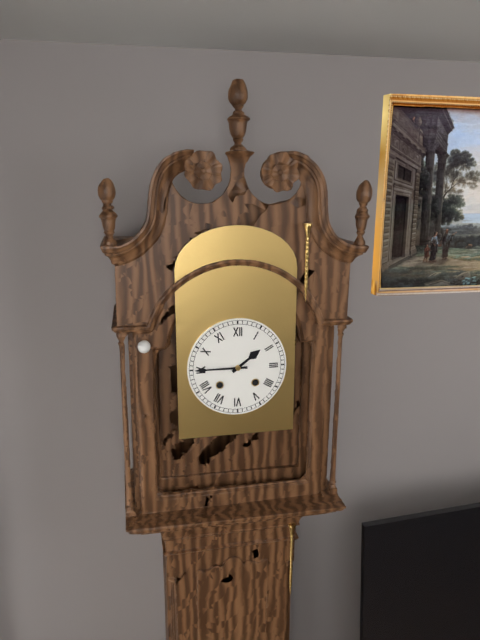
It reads 1,45
